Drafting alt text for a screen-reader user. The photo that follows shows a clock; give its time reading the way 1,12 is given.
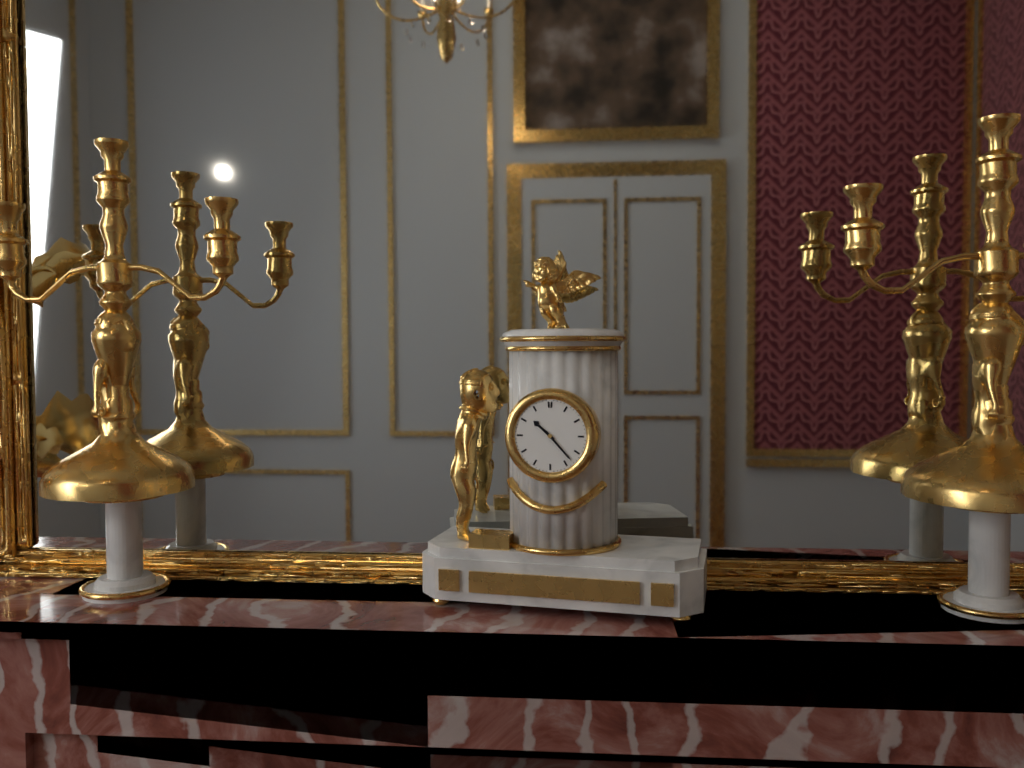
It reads 10,23
